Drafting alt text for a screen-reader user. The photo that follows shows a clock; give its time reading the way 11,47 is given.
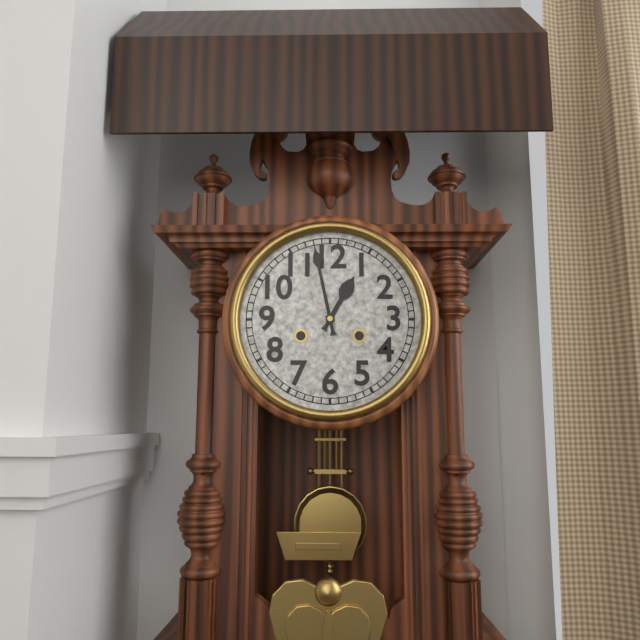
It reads 12,58
